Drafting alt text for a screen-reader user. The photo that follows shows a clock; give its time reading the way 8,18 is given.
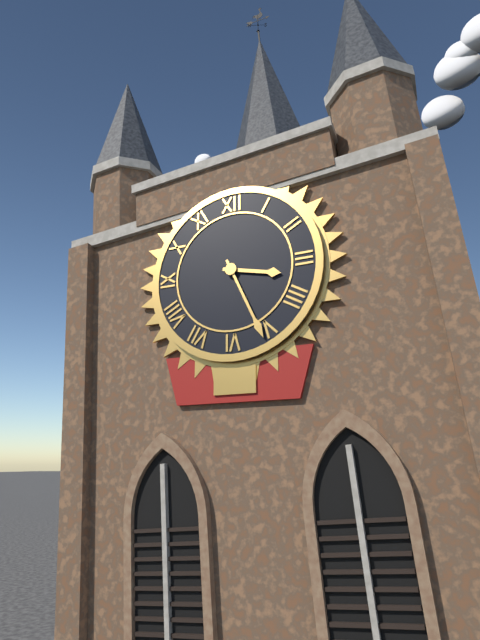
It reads 3,26
